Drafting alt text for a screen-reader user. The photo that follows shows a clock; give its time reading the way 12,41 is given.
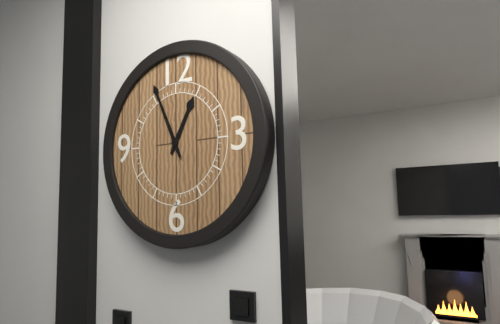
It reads 12,56
